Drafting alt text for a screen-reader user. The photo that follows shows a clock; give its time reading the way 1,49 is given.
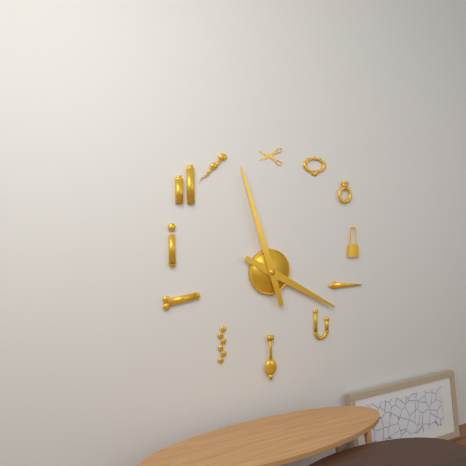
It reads 3,57
